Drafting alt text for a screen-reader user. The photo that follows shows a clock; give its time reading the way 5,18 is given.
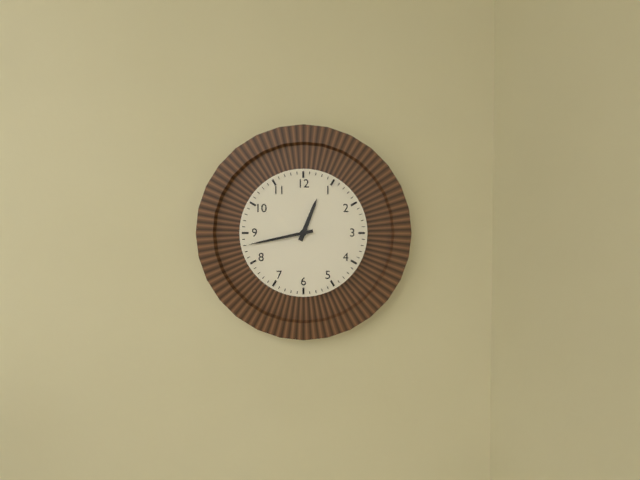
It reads 12,43
